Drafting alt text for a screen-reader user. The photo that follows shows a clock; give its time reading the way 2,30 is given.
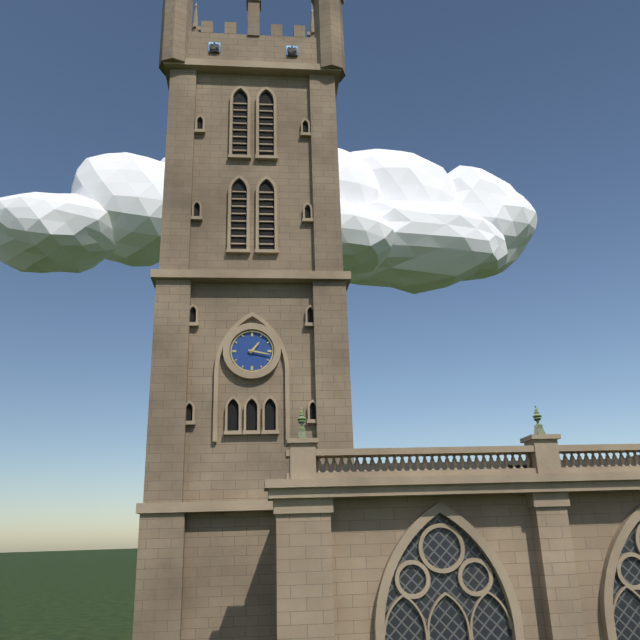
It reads 1,17
